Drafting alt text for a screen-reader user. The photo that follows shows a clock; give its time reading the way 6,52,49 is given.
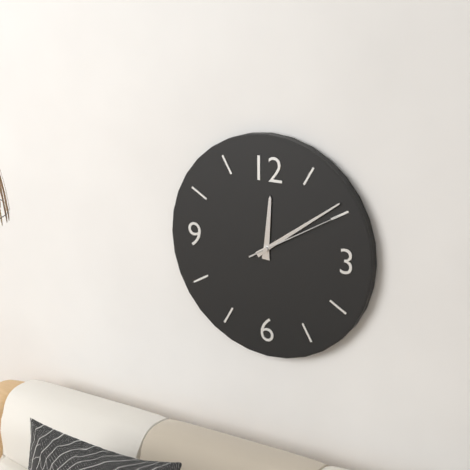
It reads 12,09,10
